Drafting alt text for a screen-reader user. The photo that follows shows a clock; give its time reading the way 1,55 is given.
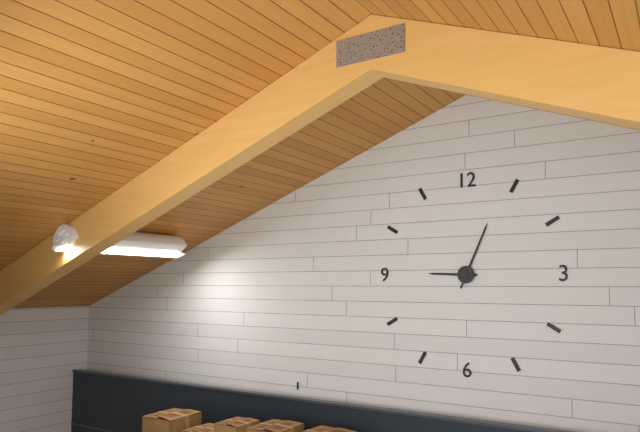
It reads 9,04
